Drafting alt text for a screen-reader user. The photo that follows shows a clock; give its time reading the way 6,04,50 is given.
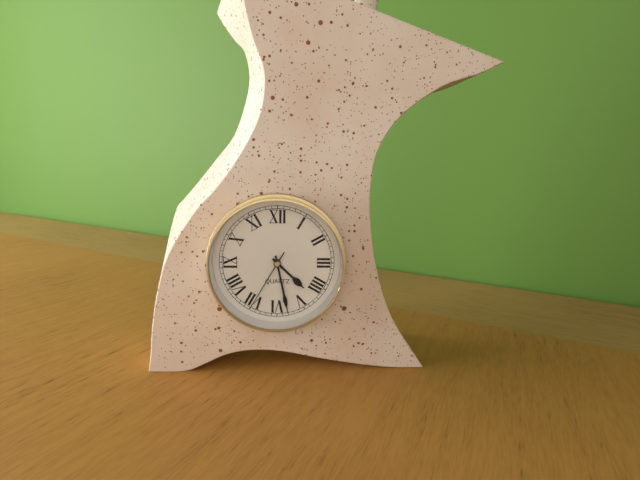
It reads 4,28,35
